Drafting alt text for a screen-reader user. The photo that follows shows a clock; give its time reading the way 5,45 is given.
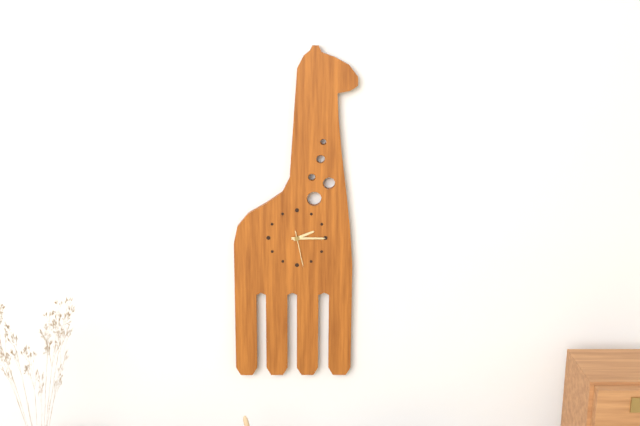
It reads 2,15
